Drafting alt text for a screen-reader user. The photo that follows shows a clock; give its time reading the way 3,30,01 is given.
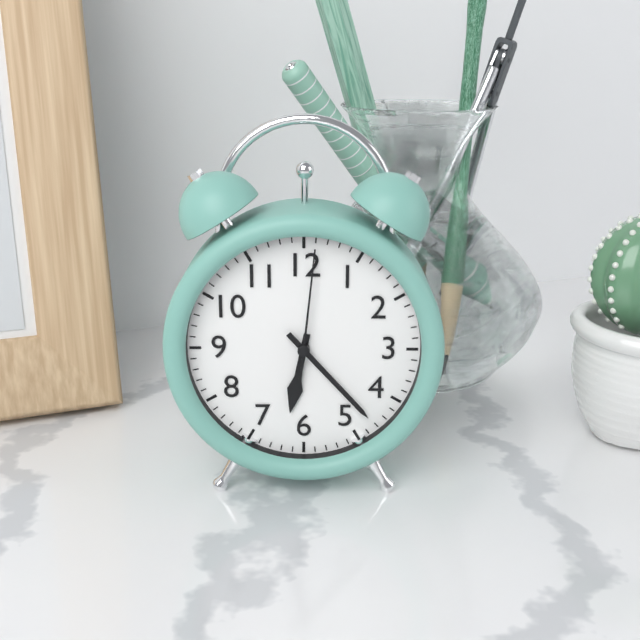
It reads 6,23,01
